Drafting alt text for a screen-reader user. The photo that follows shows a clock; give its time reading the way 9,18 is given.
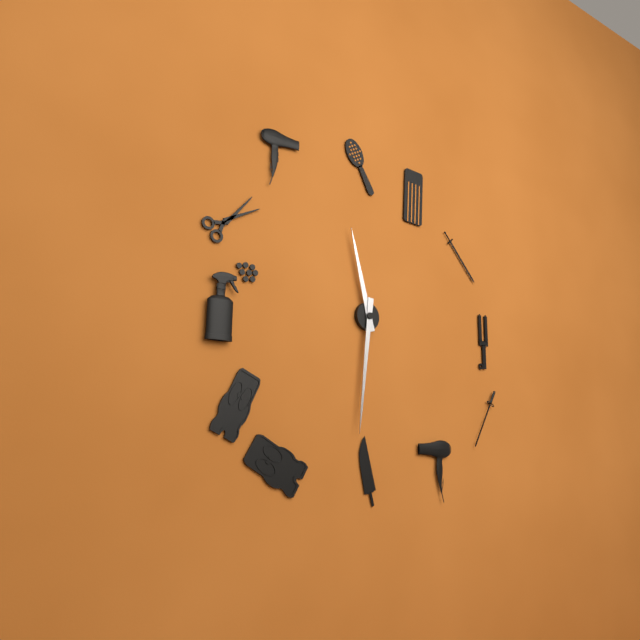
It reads 11,31
